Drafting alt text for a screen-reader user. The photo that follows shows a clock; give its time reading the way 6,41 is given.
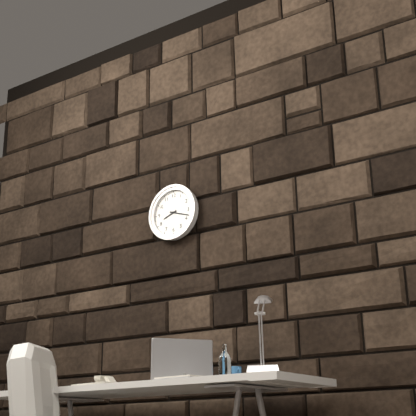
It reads 8,18
